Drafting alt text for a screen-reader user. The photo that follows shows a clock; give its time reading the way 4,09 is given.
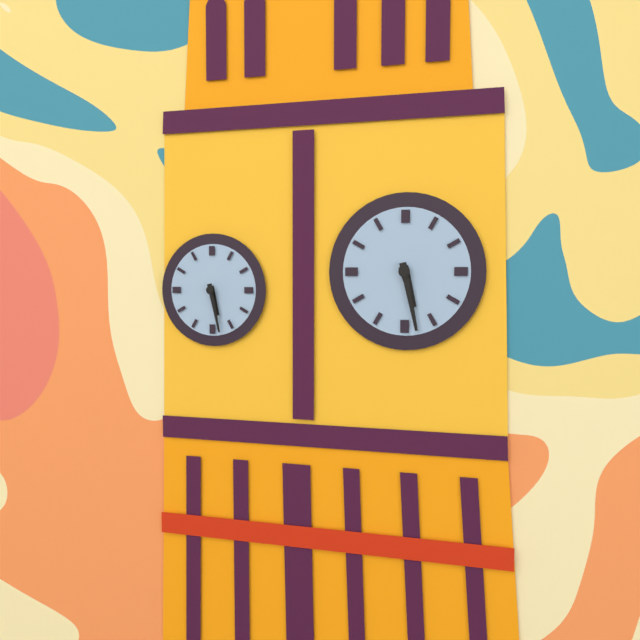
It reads 5,28
